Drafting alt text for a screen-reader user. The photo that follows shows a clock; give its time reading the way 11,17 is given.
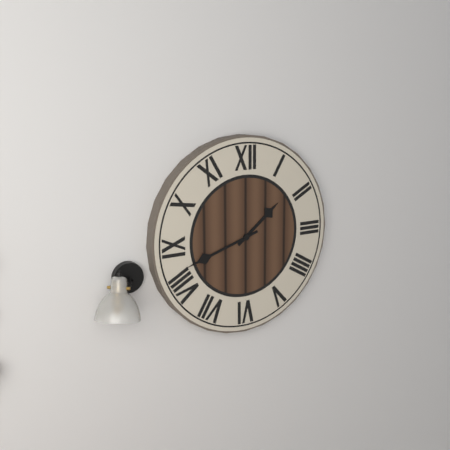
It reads 1,42
